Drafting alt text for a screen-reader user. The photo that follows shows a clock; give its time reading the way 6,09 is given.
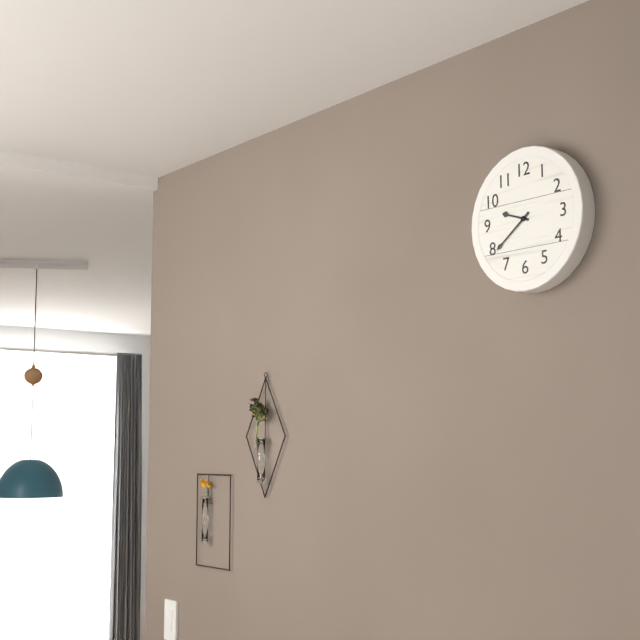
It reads 9,39
